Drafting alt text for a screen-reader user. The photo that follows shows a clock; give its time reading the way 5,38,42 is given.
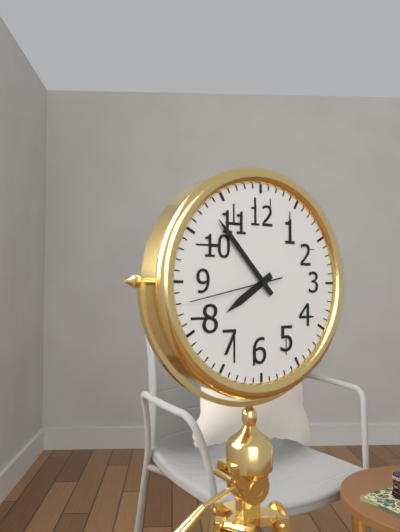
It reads 7,53,43
